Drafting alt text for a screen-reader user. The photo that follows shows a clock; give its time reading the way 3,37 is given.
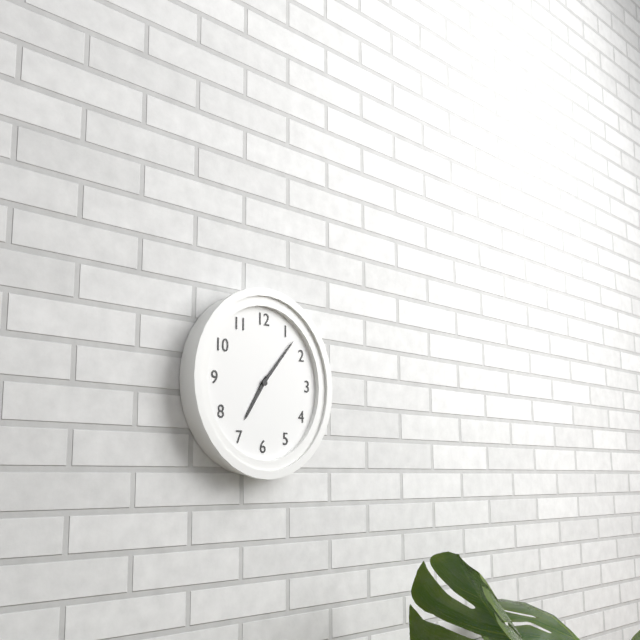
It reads 7,07
